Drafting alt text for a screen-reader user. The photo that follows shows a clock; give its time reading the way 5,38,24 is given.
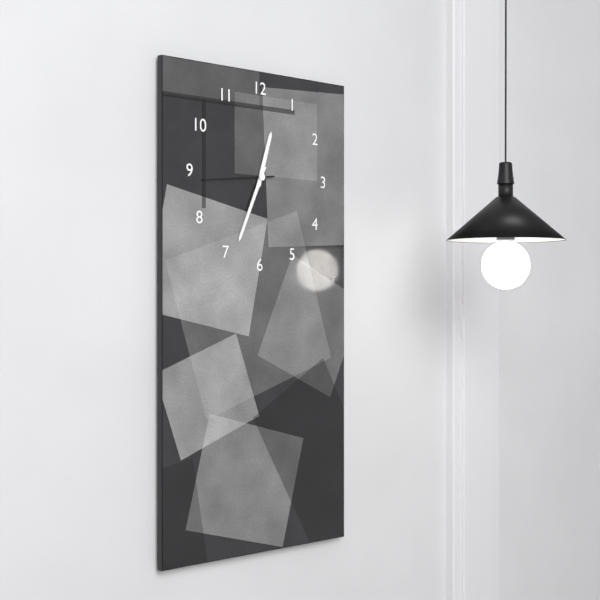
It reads 12,34,44
